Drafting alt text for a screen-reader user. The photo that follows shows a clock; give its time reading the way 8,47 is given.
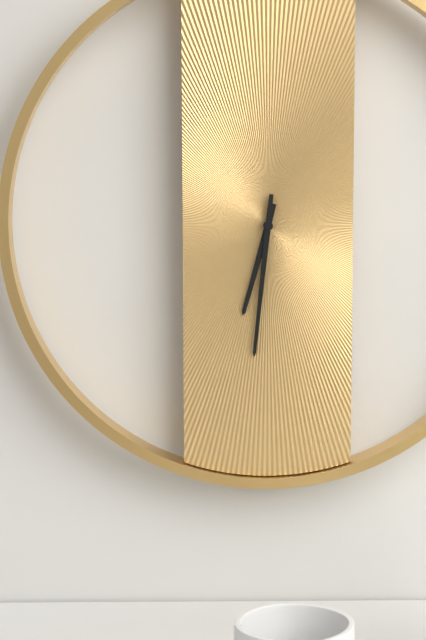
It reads 6,31
